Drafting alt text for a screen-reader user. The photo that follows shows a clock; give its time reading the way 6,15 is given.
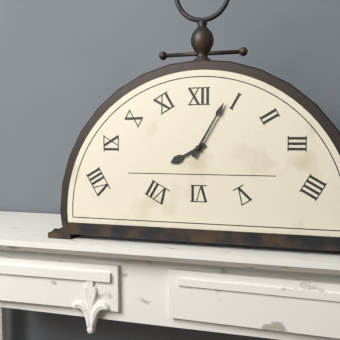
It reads 8,05
